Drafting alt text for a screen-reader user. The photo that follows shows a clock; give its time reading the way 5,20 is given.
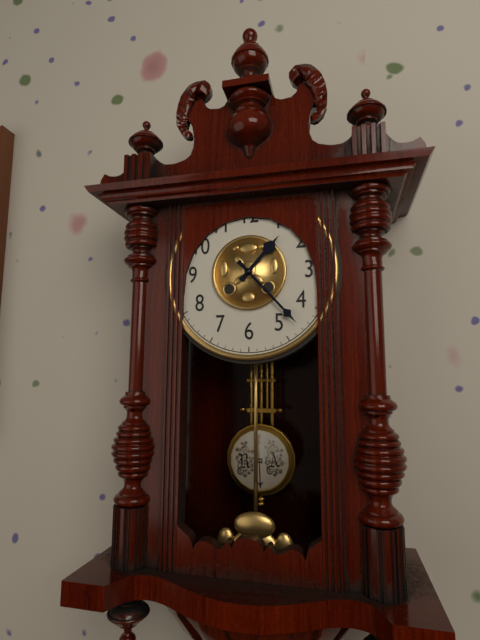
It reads 1,23
